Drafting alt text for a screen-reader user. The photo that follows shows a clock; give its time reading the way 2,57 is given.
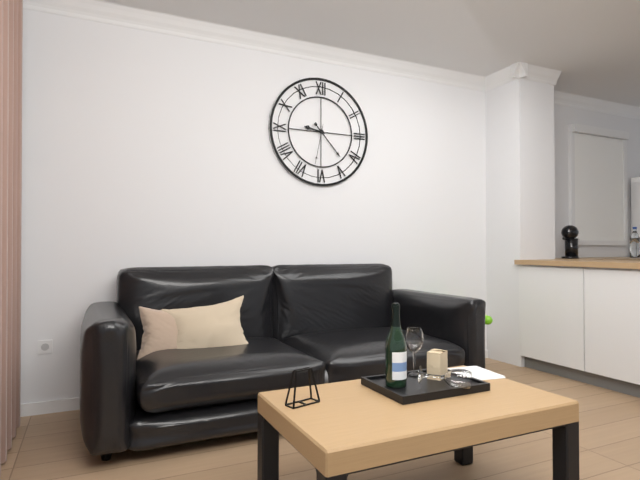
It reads 9,23
